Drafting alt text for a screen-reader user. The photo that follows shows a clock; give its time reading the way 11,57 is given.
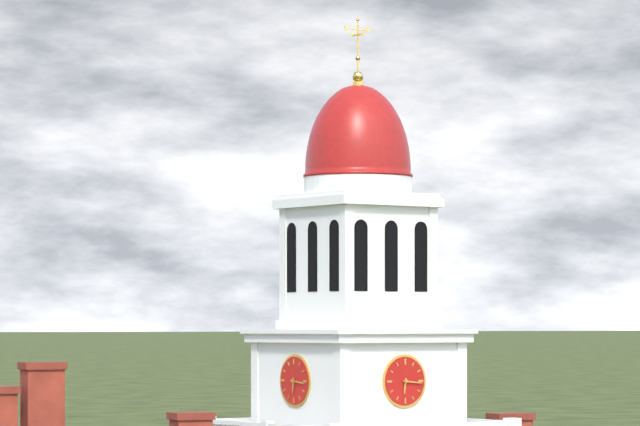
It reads 6,16
